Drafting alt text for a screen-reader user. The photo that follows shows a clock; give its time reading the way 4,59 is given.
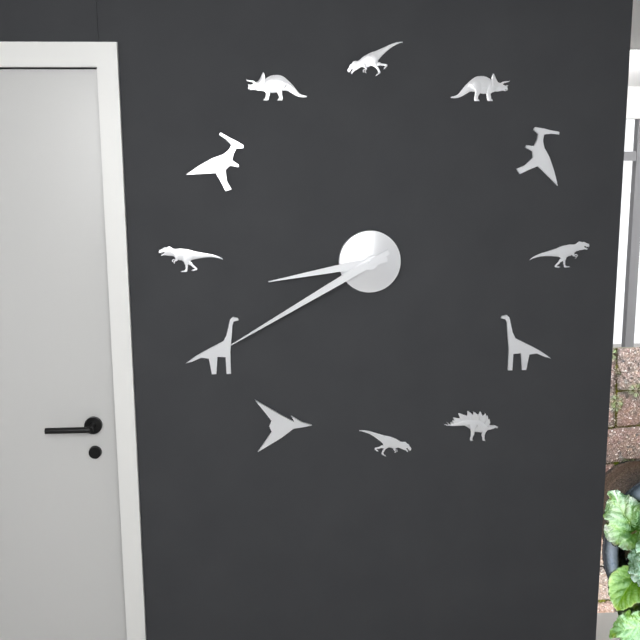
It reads 8,40
